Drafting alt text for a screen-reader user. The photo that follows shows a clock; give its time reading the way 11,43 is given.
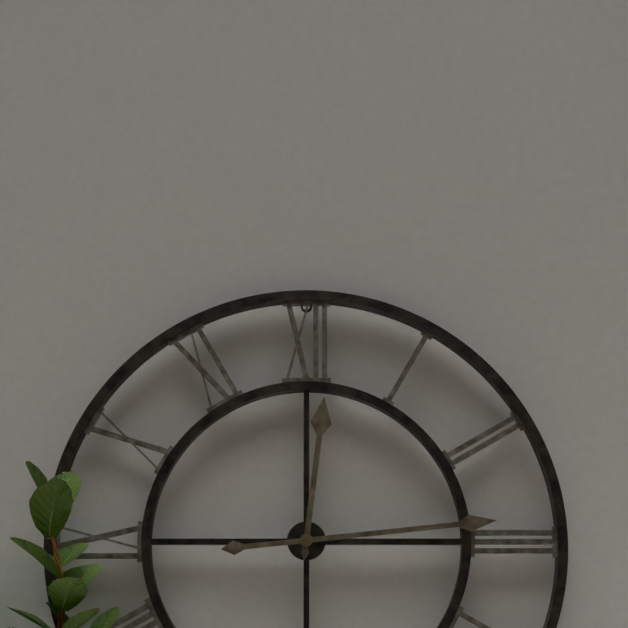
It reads 12,14
